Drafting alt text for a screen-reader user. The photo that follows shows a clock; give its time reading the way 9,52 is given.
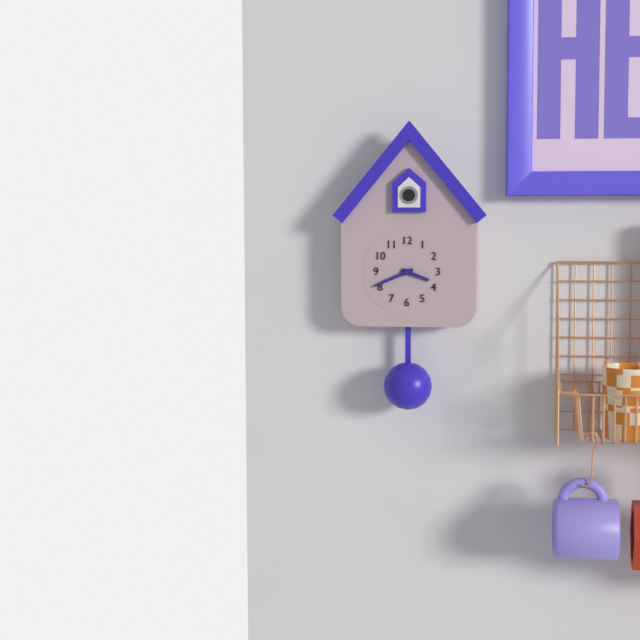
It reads 3,41
